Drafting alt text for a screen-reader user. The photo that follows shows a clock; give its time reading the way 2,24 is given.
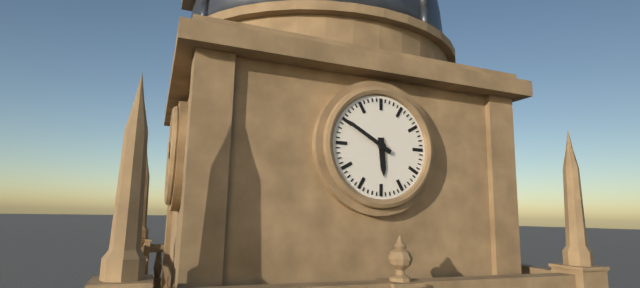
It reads 5,50
